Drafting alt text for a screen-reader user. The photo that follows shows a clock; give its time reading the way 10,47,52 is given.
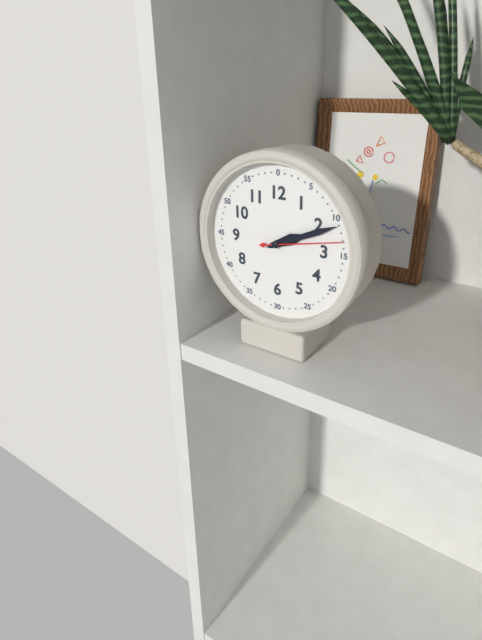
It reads 2,11,13
